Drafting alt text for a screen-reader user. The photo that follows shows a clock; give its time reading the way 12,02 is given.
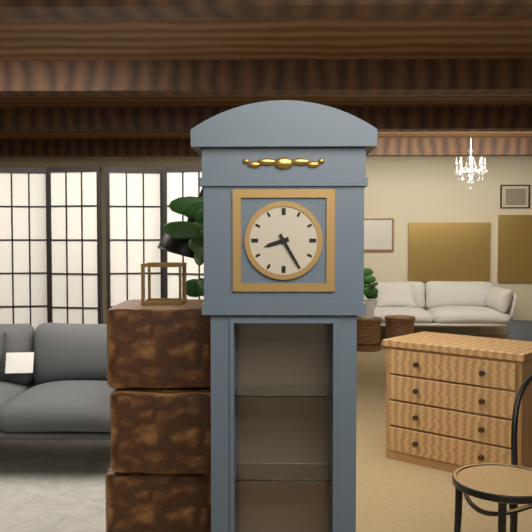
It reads 8,25
